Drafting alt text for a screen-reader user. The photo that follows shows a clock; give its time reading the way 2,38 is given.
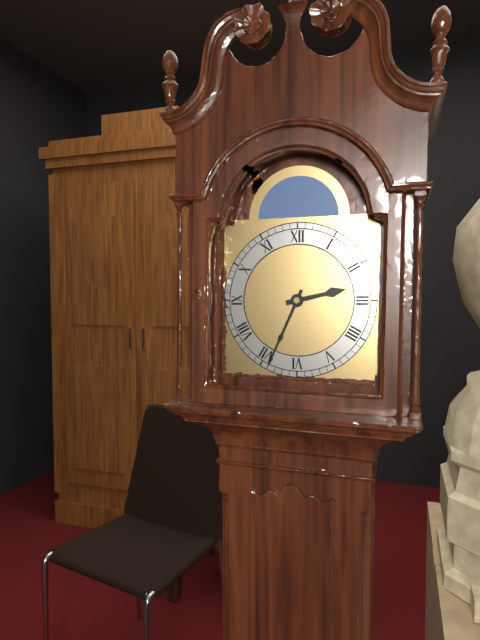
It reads 2,34
